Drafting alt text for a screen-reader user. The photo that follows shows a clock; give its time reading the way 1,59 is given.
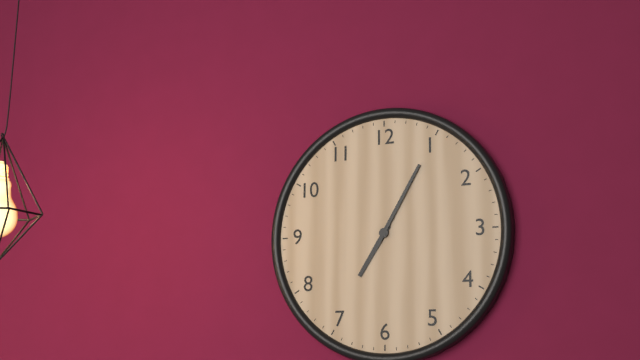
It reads 7,05
